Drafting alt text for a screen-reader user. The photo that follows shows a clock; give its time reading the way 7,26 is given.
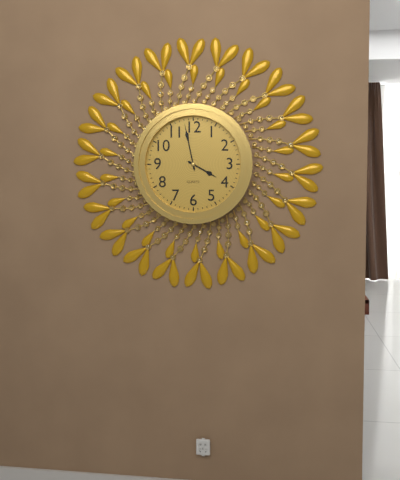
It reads 3,58
